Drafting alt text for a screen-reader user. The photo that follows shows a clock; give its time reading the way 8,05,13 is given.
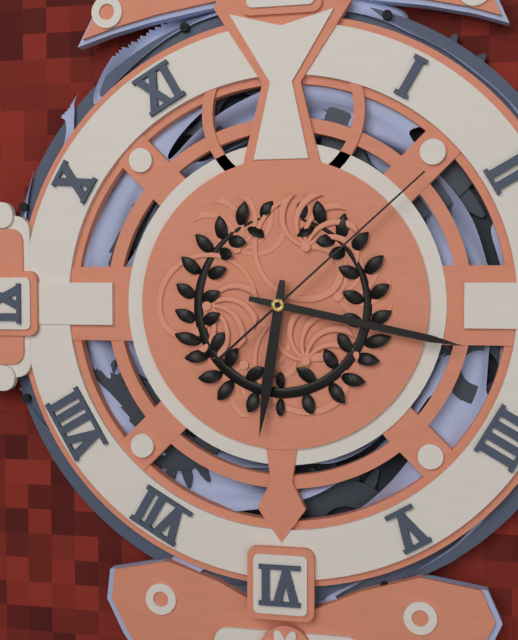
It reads 6,17,08
